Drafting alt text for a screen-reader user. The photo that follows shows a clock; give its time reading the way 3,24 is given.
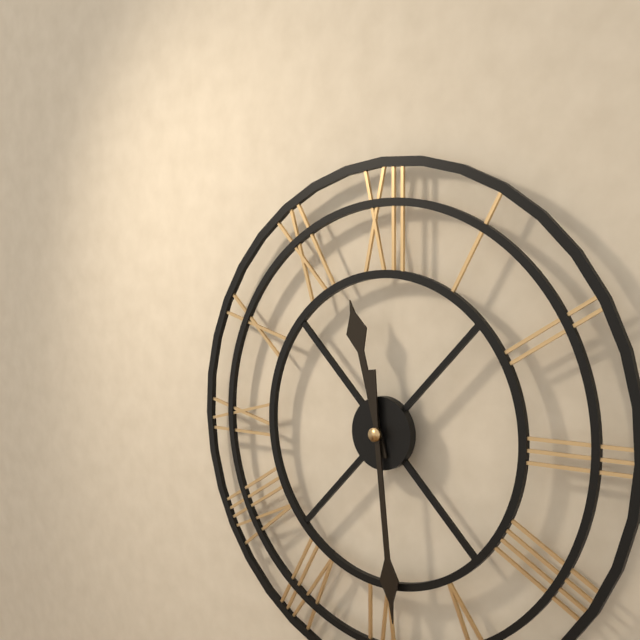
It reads 11,29
